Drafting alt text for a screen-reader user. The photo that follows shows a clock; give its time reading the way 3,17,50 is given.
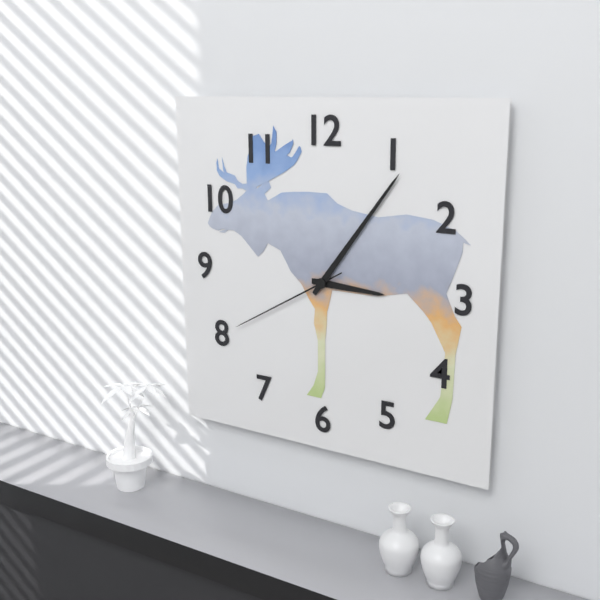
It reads 3,06,40
